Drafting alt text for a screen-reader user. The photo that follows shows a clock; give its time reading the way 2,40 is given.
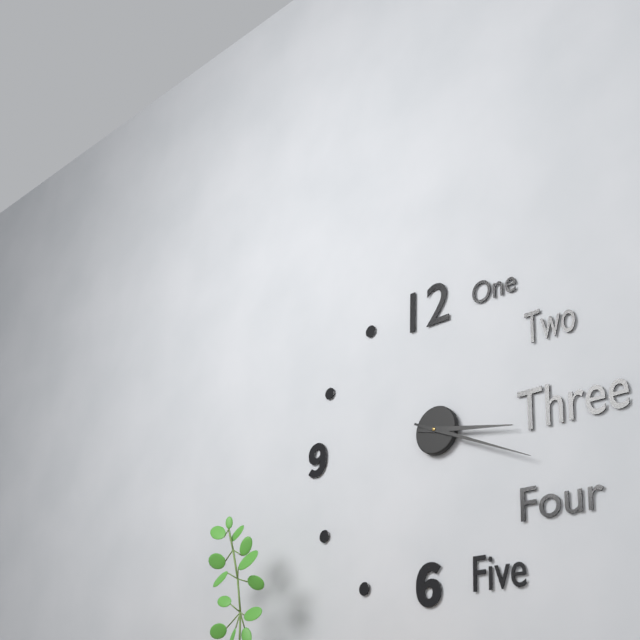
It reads 3,19
